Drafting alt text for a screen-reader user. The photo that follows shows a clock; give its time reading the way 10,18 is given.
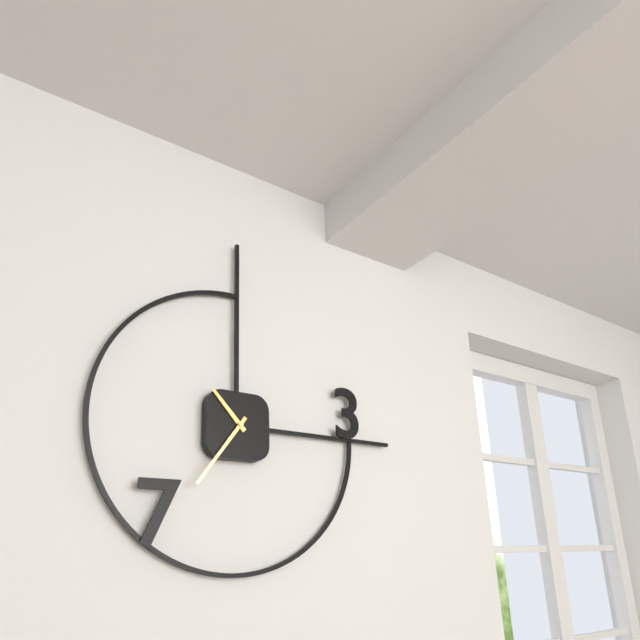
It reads 10,36
